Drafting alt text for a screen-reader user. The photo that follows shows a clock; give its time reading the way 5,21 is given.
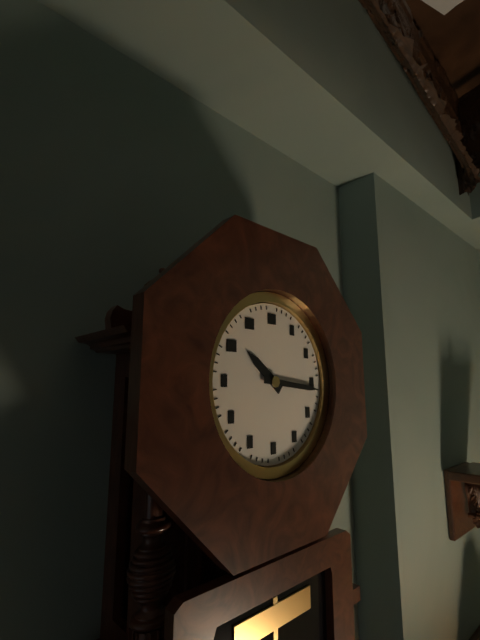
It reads 10,16
